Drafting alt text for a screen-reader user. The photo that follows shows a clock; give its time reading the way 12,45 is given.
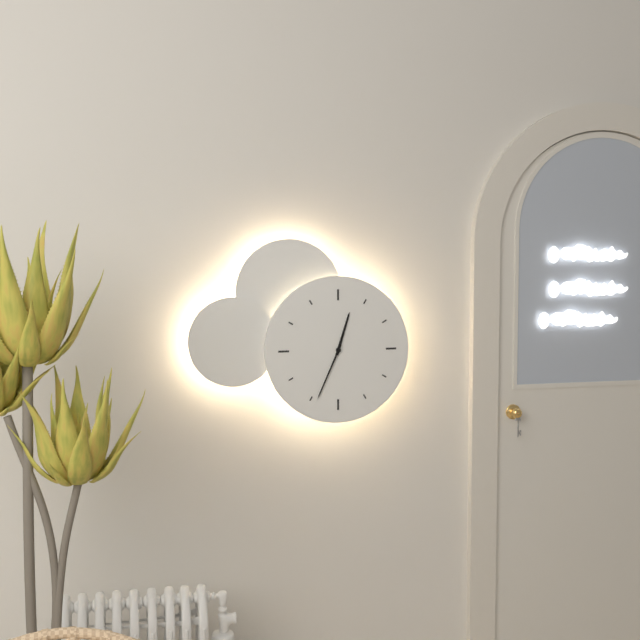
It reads 12,34
